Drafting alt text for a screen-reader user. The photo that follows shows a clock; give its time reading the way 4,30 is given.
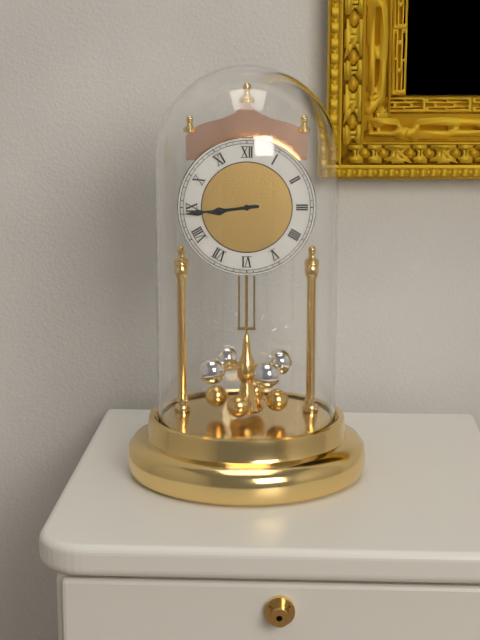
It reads 8,44
